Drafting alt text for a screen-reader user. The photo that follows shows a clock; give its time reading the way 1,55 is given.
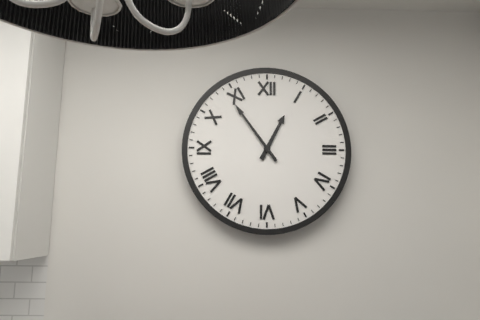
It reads 12,54
